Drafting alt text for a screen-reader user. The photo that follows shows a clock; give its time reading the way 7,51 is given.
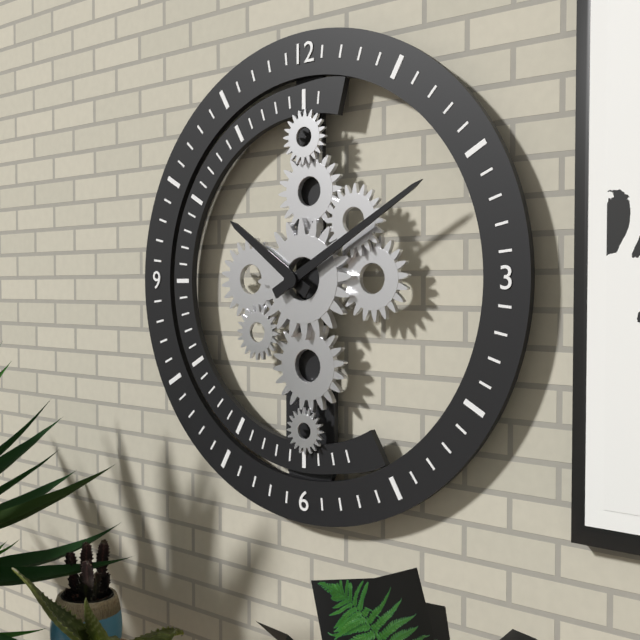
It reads 10,10
